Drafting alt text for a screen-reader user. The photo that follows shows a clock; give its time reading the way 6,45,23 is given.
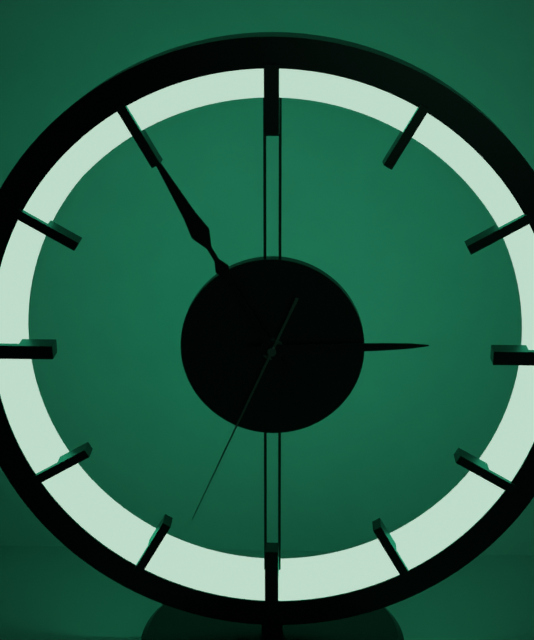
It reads 2,55,34
